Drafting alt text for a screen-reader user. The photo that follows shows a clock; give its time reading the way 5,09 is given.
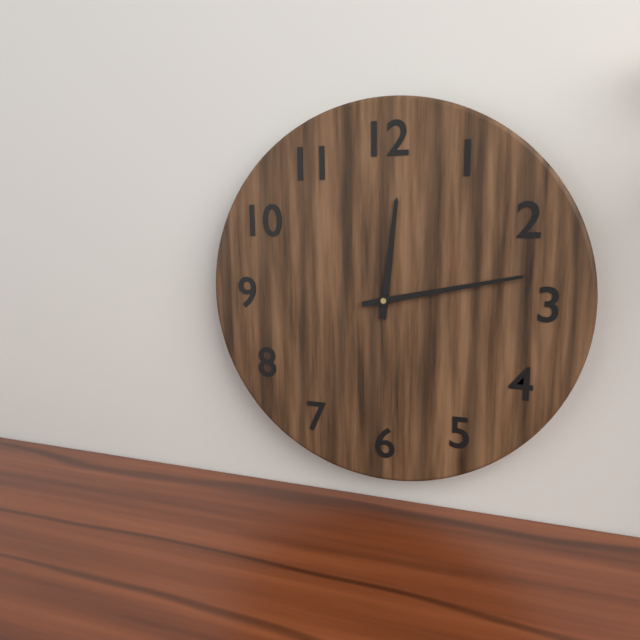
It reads 12,13
